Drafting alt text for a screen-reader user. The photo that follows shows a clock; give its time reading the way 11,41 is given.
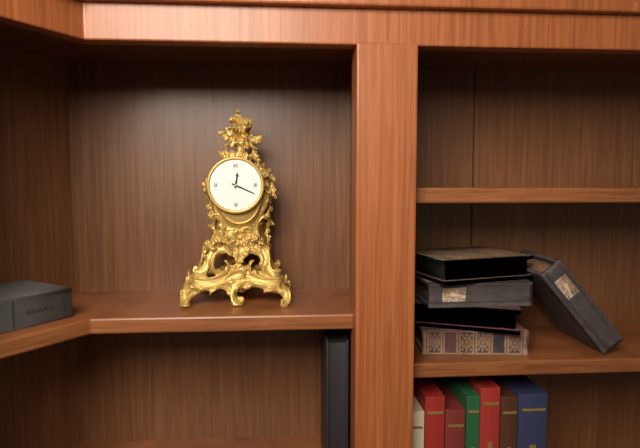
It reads 12,19
